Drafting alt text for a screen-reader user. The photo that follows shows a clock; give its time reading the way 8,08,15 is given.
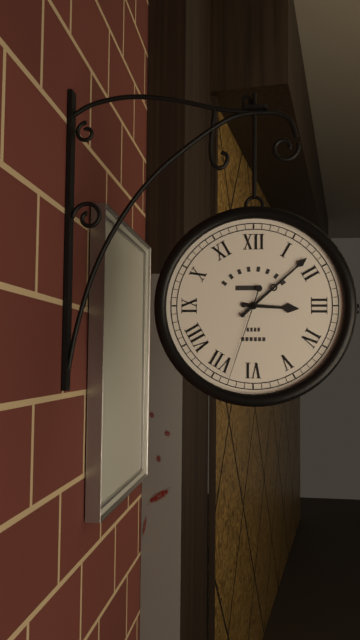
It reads 3,08,33
